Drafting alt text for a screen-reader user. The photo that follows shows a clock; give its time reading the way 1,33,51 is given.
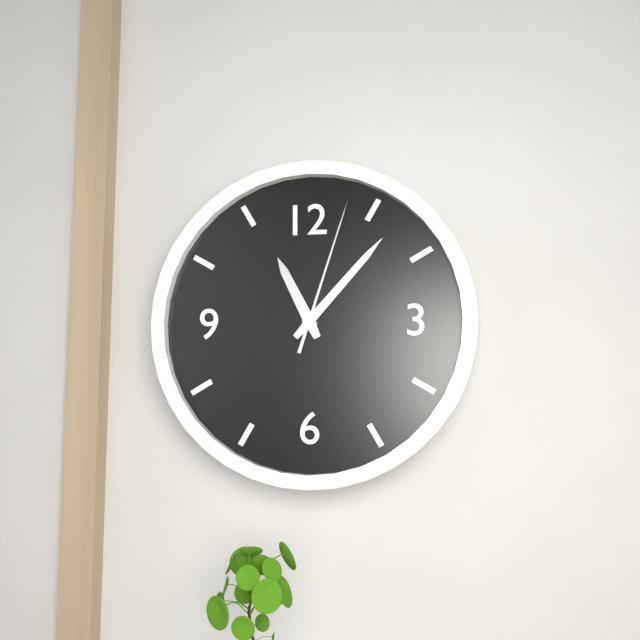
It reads 11,07,03
